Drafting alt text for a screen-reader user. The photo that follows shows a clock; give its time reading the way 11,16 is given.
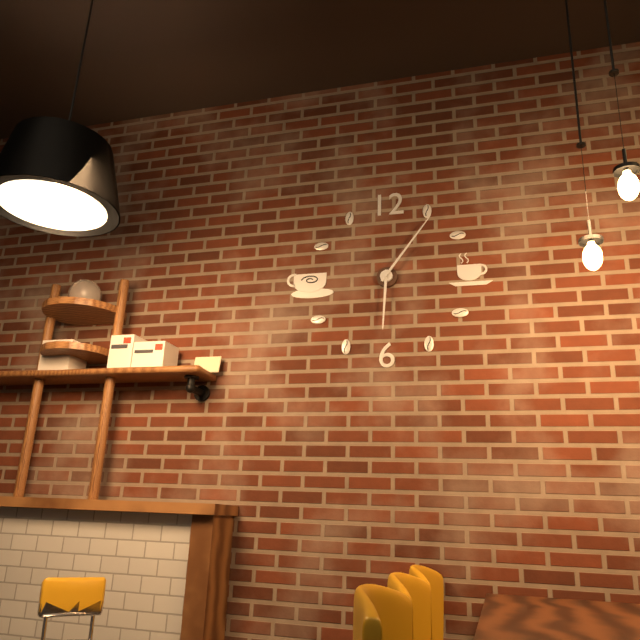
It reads 6,06
